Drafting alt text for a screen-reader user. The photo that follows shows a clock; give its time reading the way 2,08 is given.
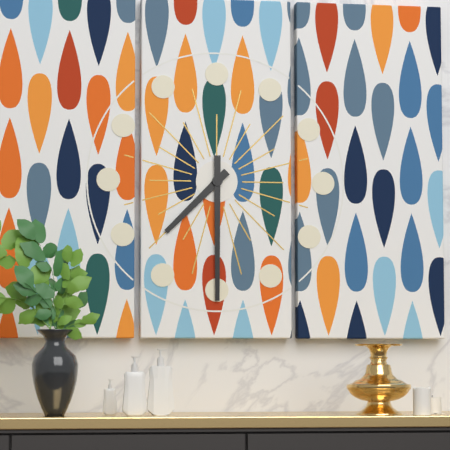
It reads 7,30
